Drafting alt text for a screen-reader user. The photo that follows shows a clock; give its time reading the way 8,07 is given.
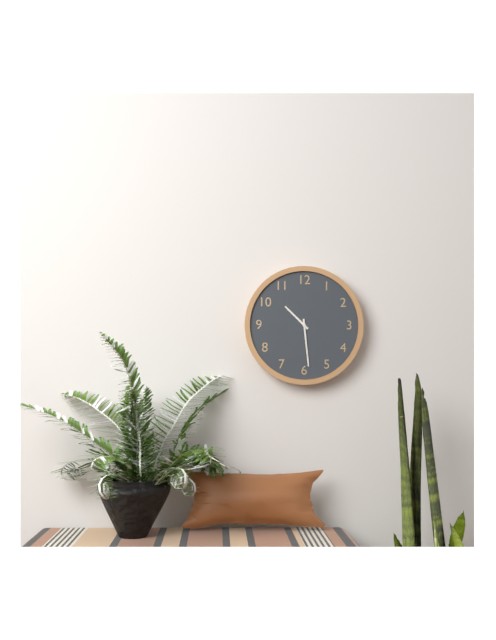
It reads 10,29
